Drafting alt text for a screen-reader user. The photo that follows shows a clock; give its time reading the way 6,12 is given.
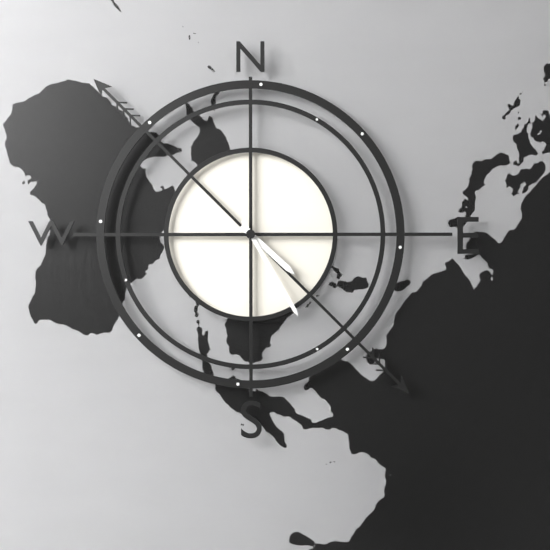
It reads 4,25
